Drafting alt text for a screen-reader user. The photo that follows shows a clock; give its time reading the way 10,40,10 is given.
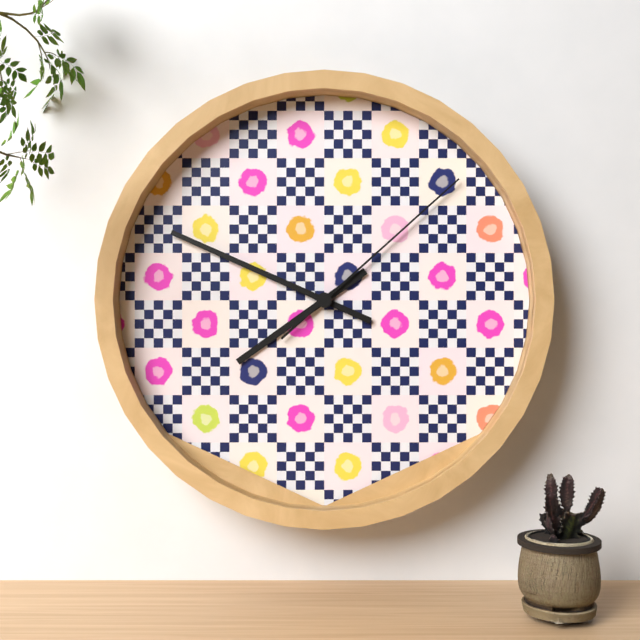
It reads 7,49,08
